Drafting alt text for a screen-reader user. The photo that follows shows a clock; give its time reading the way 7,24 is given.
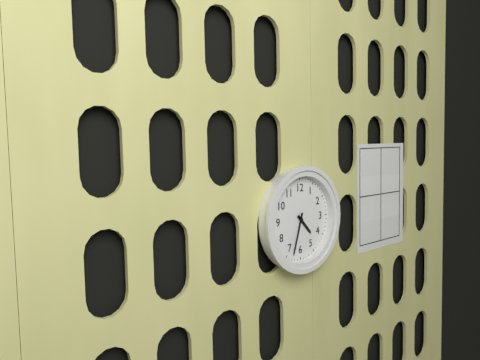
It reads 4,33
